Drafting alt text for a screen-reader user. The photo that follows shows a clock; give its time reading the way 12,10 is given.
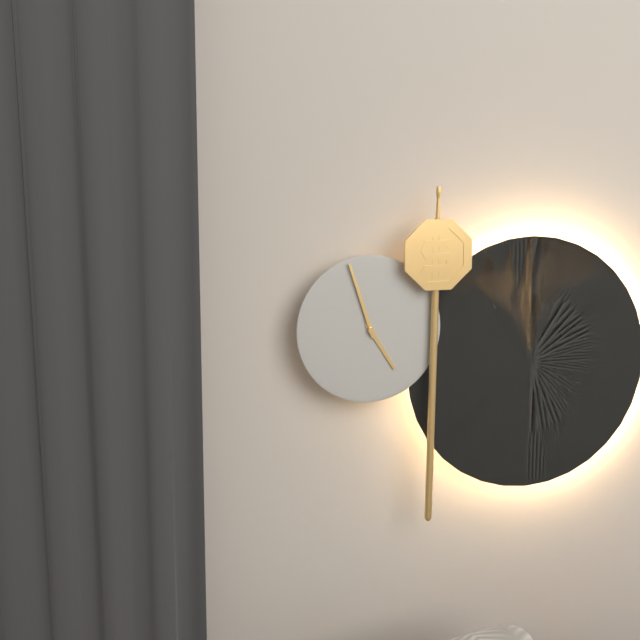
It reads 4,57
